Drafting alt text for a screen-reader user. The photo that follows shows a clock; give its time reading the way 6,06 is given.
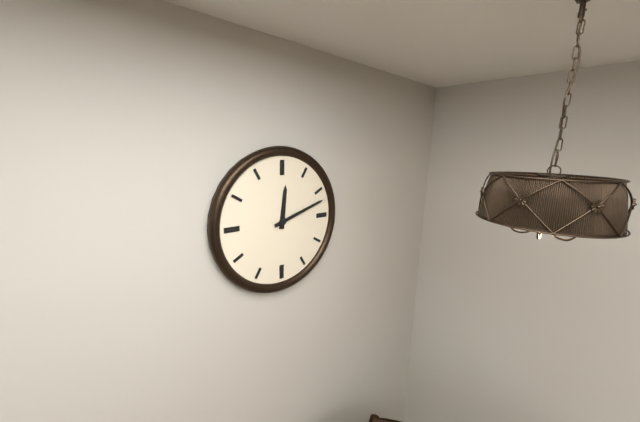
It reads 12,12
